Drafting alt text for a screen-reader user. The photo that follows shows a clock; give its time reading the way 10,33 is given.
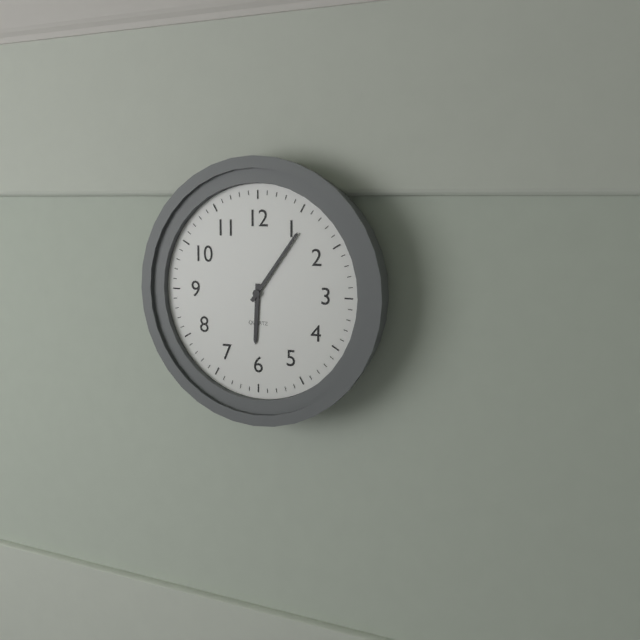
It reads 6,06
